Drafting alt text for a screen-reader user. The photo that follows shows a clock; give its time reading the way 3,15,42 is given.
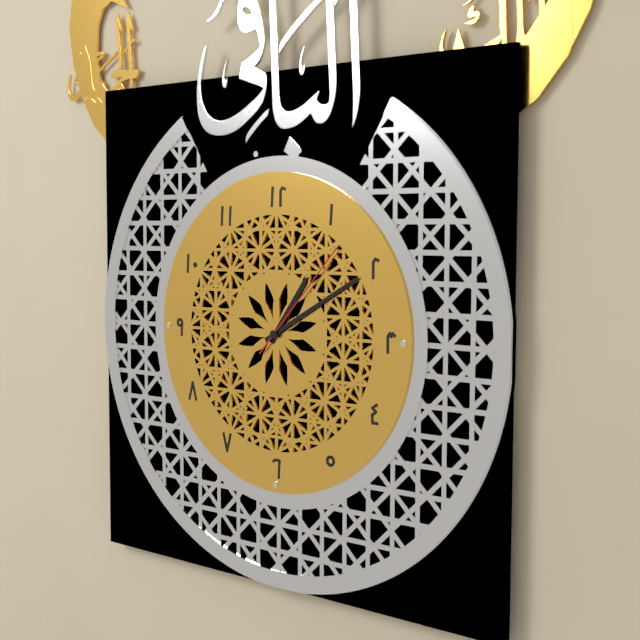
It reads 1,10,07
